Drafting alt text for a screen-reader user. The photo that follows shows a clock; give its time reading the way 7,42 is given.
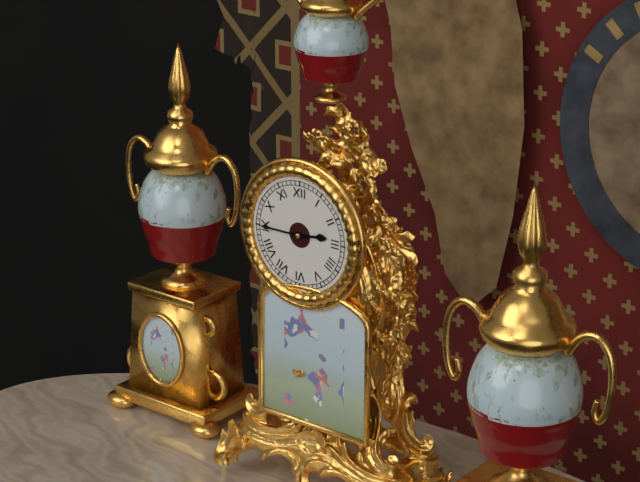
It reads 2,45
